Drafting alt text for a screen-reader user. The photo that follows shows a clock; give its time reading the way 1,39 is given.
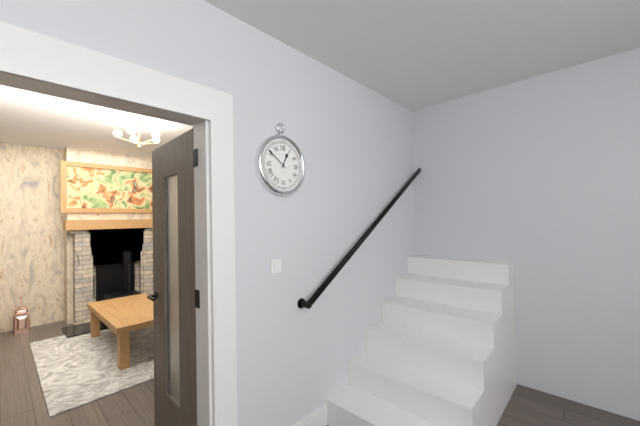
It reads 12,51
